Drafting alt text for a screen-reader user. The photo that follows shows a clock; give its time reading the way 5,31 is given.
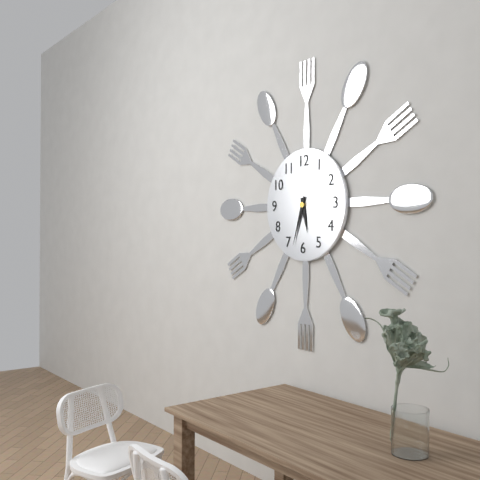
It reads 5,33
